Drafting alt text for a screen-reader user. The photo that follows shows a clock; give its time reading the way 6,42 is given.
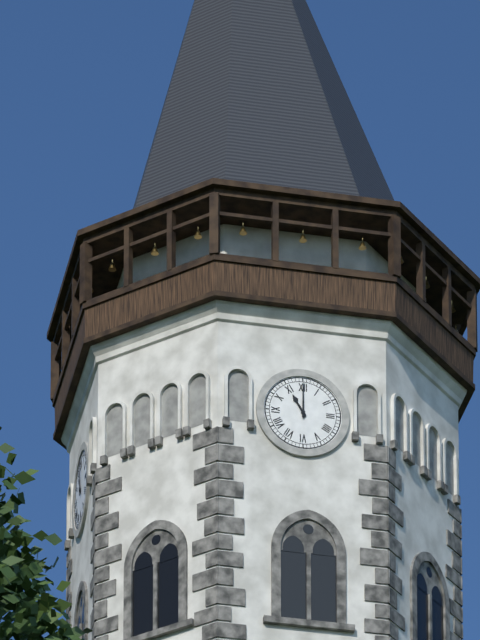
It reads 11,00
